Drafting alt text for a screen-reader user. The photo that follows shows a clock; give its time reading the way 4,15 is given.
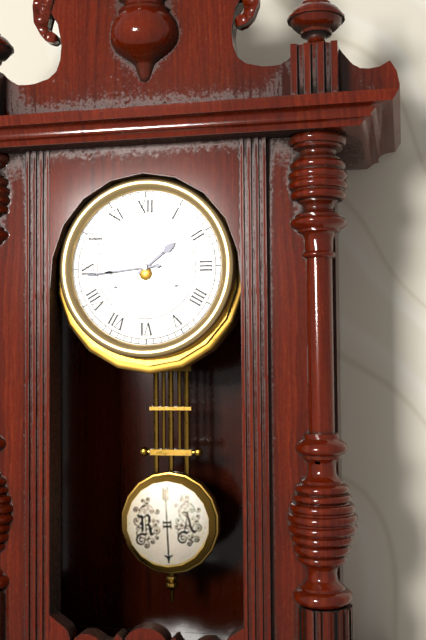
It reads 1,44
